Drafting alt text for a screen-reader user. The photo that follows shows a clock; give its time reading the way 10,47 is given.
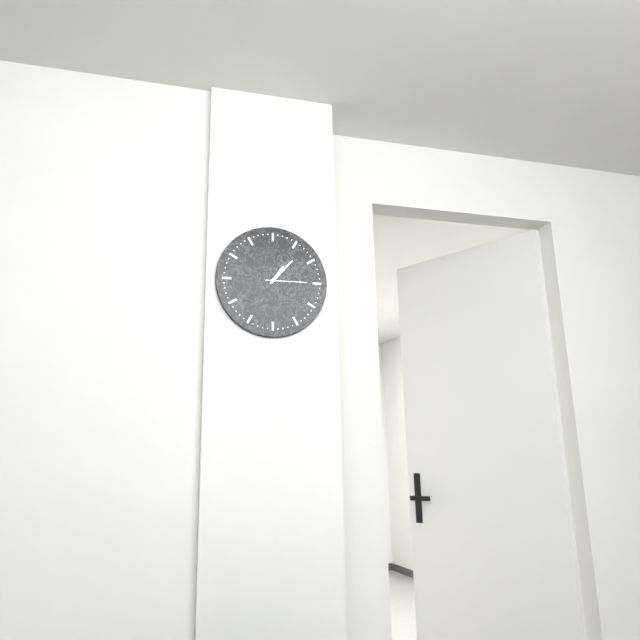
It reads 1,07
